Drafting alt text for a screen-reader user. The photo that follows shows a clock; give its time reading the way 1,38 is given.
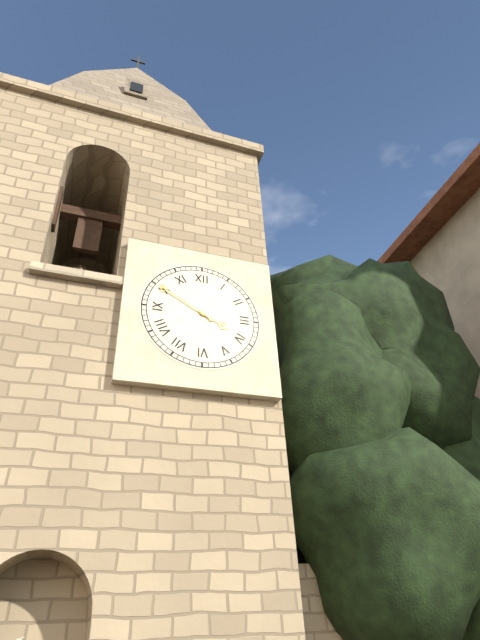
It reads 3,50
